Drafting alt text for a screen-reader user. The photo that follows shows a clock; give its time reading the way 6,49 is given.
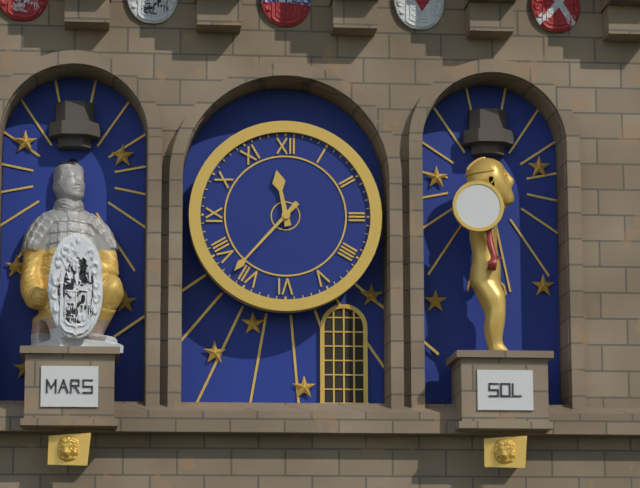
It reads 11,37
